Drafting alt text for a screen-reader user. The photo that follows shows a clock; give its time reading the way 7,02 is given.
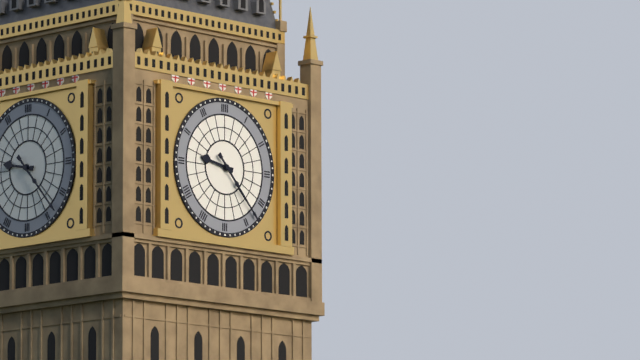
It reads 9,23
